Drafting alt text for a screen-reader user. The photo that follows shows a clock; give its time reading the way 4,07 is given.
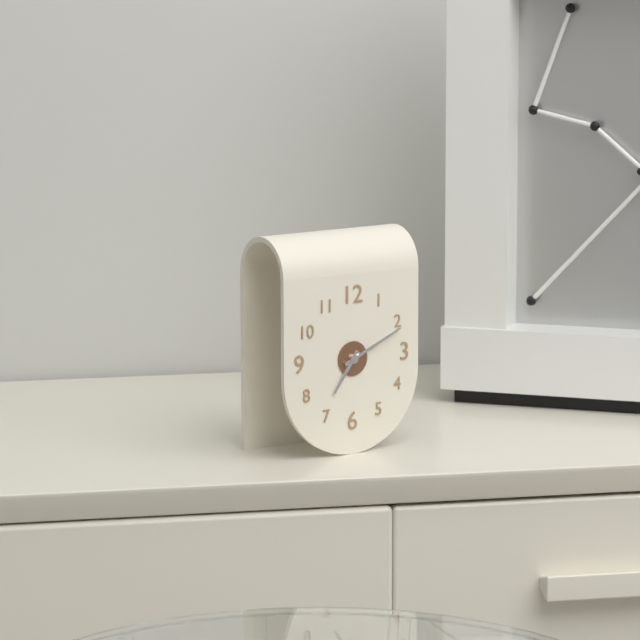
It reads 7,11
